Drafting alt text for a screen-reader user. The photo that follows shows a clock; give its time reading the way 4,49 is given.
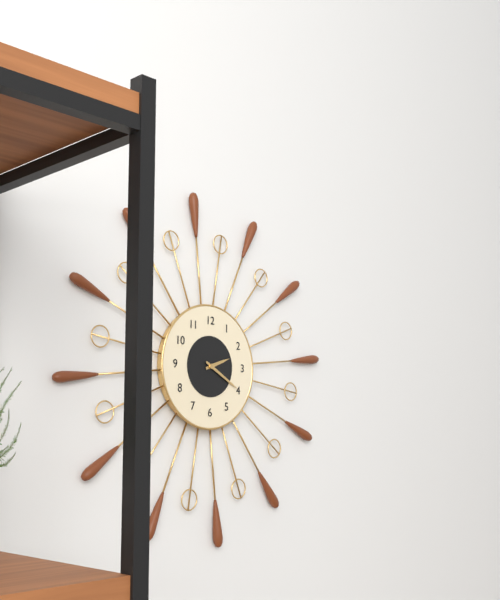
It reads 2,20
